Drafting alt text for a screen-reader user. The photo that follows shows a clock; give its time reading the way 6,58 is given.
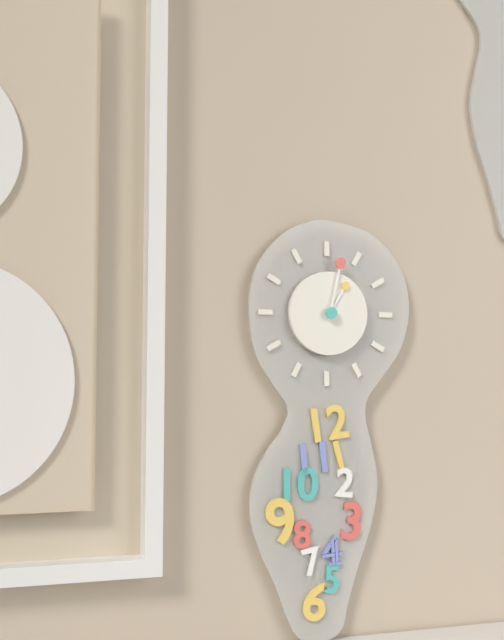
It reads 1,02
